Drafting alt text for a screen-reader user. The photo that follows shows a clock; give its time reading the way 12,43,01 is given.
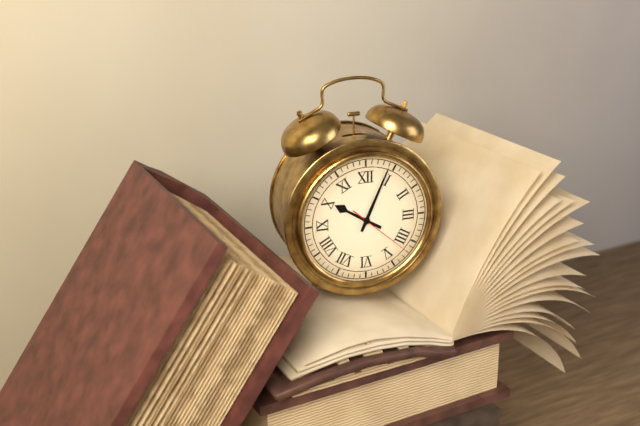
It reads 10,04,22
